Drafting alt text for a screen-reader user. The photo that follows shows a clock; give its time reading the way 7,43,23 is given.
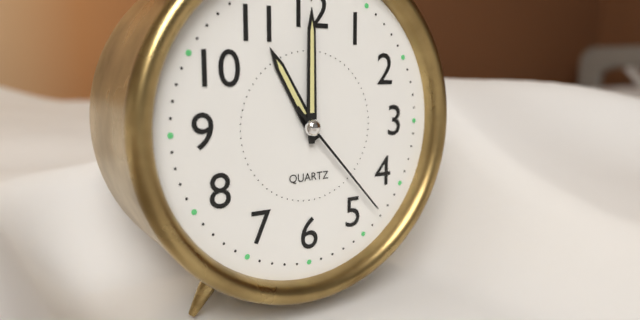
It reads 11,00,23
